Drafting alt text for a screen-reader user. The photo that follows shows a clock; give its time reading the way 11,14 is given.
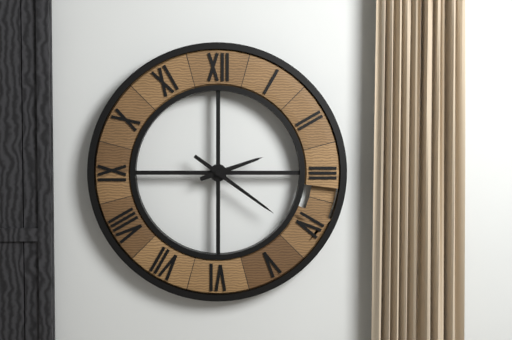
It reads 2,21
